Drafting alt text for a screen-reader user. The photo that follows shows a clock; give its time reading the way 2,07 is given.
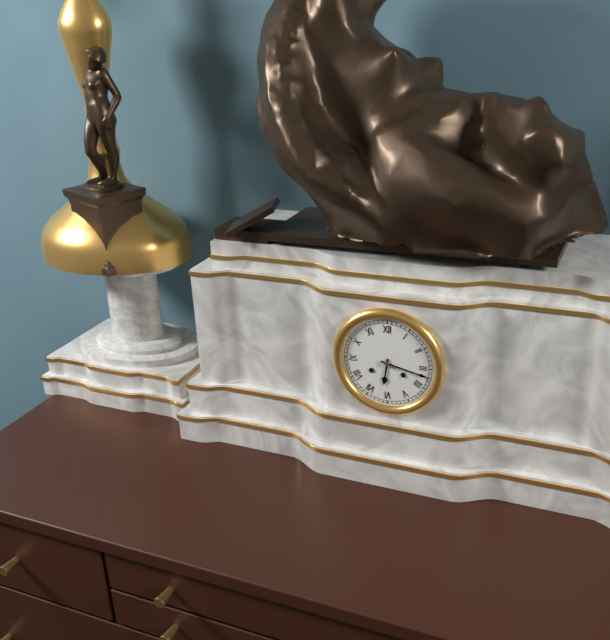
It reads 6,17
